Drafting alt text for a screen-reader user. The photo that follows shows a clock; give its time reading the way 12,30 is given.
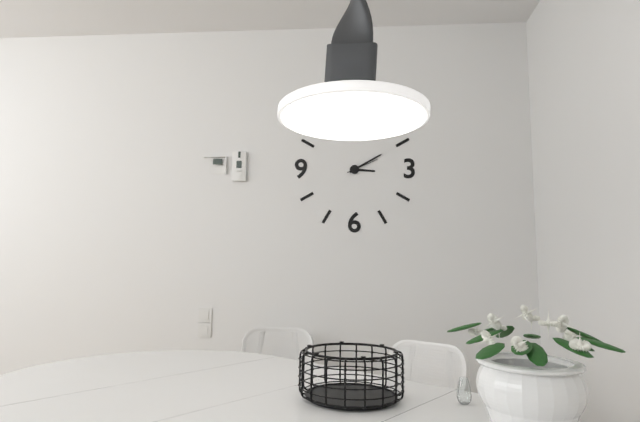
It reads 3,10
